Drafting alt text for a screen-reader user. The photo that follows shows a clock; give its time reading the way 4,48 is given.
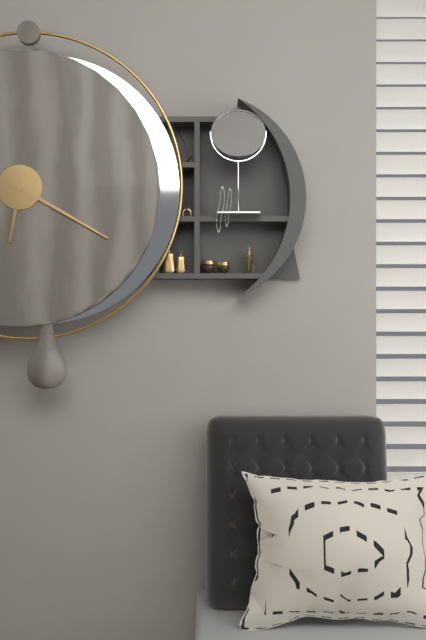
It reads 6,20
